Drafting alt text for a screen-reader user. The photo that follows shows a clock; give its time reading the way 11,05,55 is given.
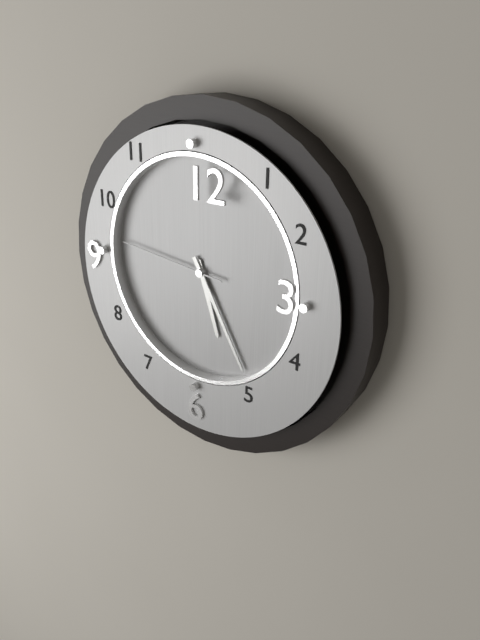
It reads 5,25,46
